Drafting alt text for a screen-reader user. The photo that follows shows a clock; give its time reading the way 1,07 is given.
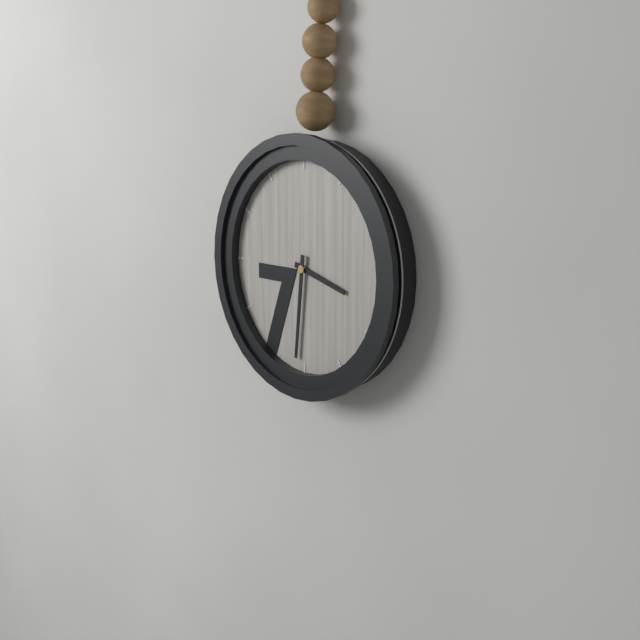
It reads 3,31
